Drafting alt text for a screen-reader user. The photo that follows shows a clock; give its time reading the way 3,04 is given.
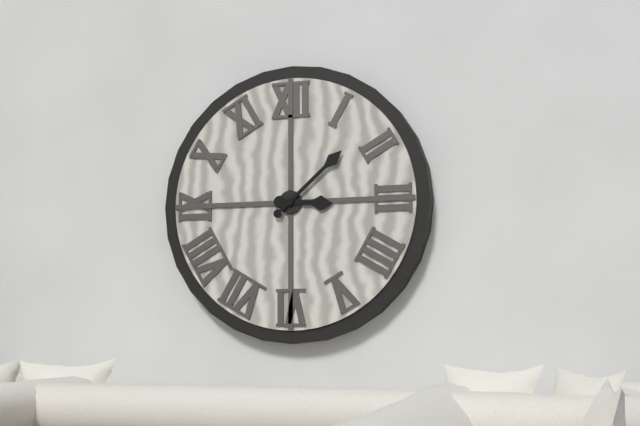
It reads 3,08
